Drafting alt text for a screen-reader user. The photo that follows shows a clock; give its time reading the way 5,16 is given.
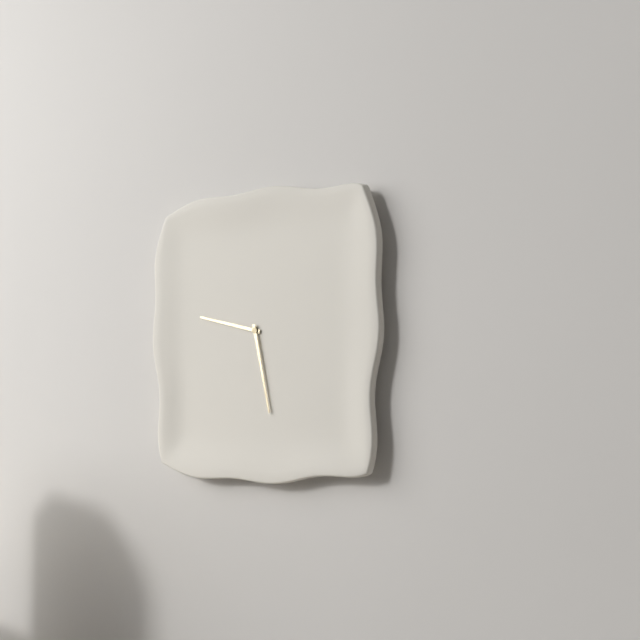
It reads 9,28
